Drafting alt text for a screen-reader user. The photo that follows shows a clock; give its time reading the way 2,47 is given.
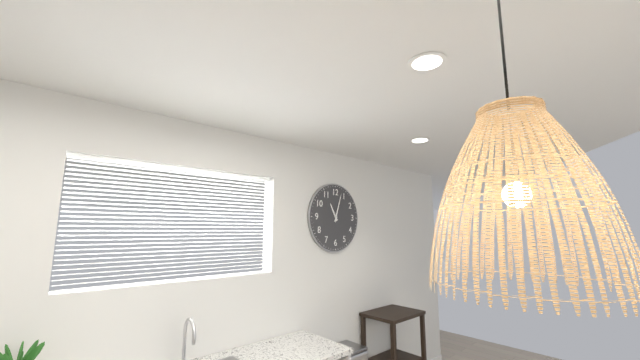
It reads 11,03
